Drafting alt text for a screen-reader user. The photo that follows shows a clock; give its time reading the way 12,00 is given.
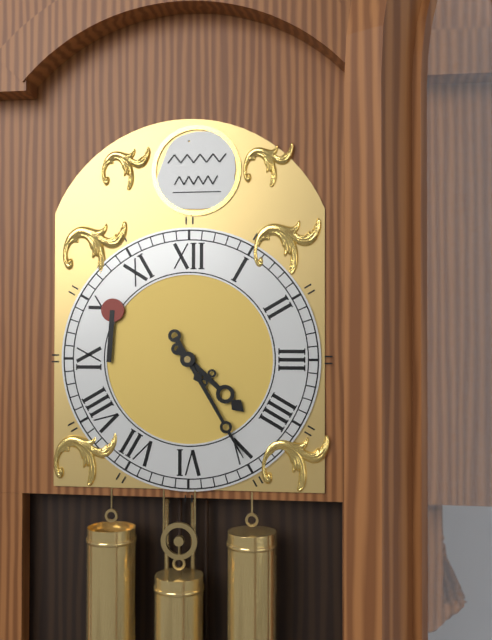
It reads 4,25
